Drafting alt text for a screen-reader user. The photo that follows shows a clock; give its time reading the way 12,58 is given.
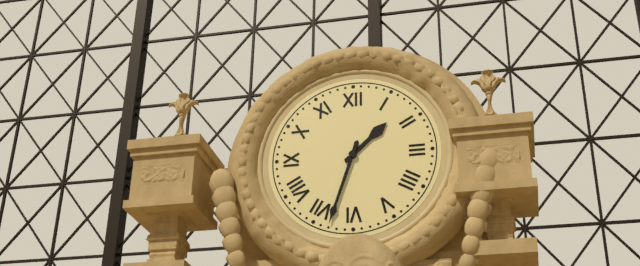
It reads 1,33
